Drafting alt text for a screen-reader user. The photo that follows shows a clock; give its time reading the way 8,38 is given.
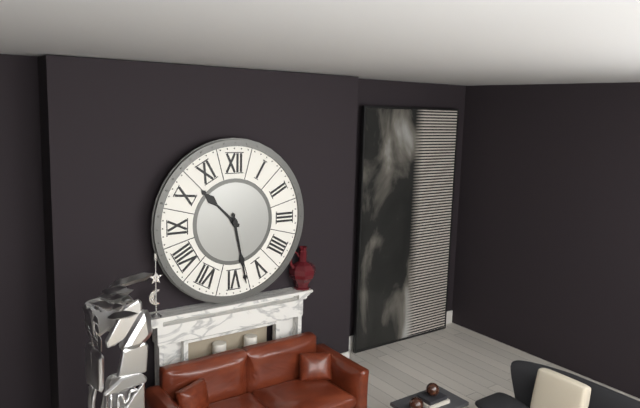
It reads 10,28
